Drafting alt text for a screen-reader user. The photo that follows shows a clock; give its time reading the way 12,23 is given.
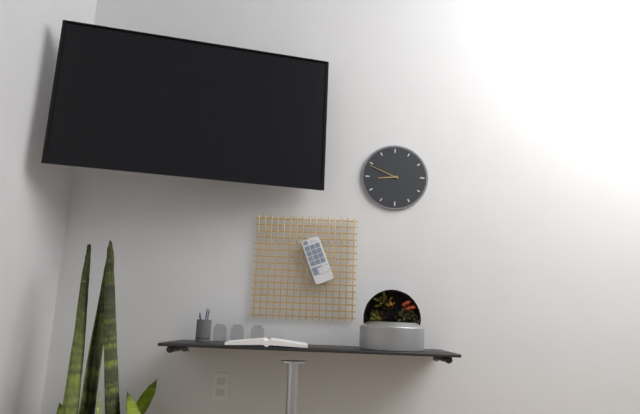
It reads 8,49
